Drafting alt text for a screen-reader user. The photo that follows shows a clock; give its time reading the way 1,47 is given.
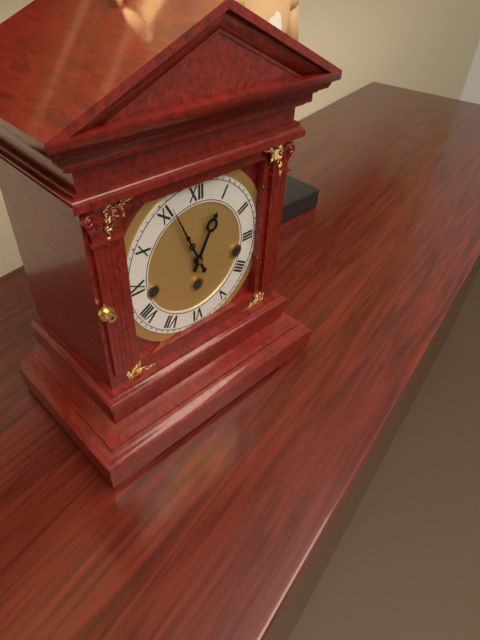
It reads 12,56
